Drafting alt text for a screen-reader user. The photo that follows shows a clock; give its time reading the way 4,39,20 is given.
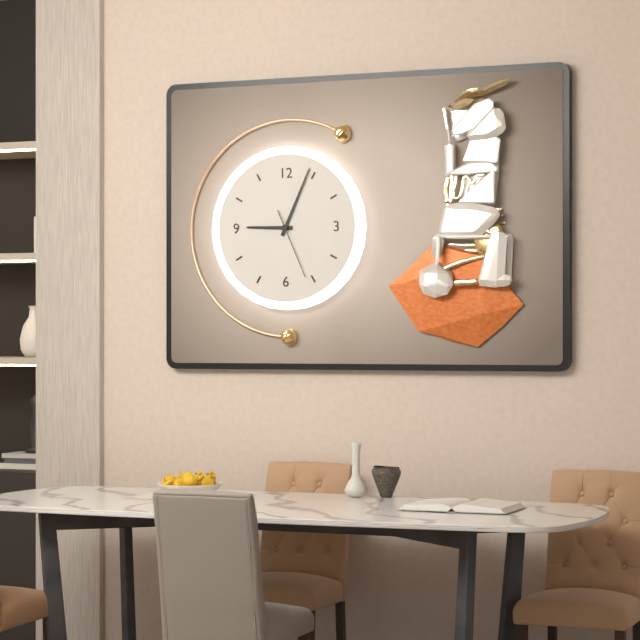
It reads 9,04,26
